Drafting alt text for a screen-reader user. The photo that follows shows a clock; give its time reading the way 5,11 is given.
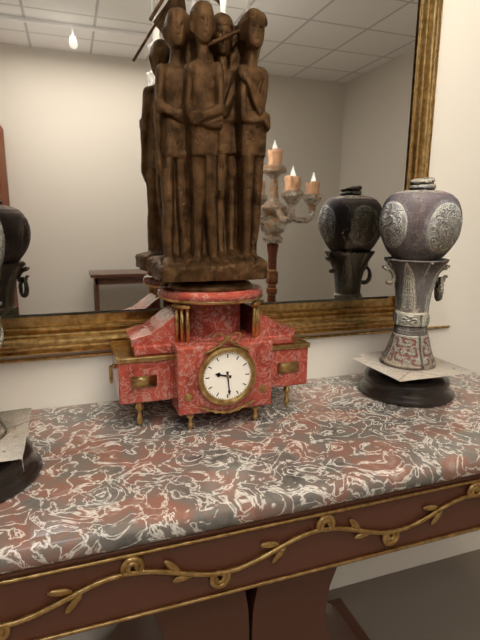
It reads 9,29
